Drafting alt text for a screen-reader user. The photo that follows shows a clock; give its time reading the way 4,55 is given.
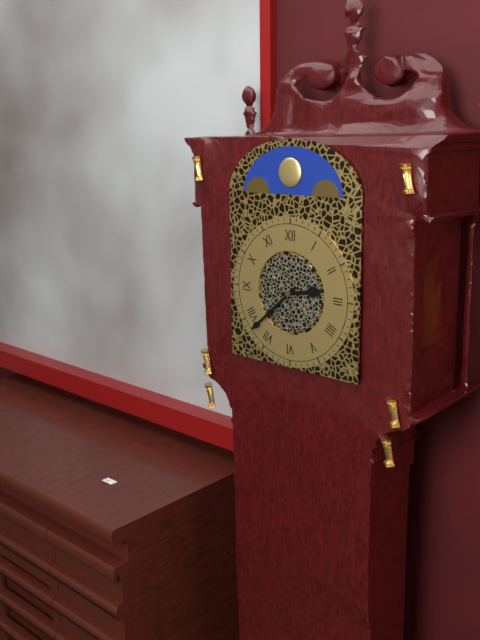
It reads 2,38
